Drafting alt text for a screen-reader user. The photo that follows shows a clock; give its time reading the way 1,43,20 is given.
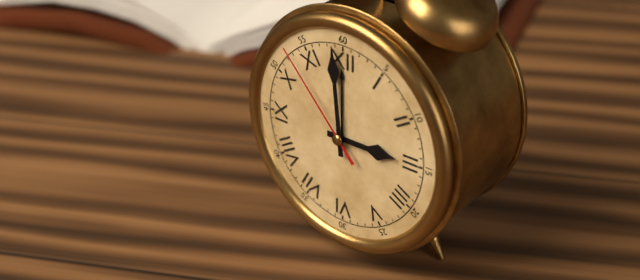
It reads 2,59,53
